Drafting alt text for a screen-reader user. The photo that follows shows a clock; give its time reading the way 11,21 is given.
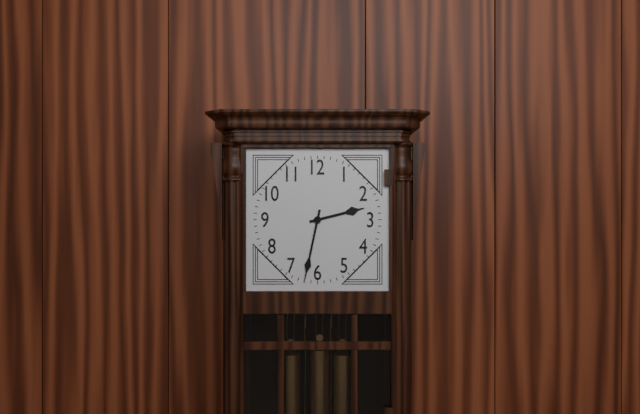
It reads 2,32
